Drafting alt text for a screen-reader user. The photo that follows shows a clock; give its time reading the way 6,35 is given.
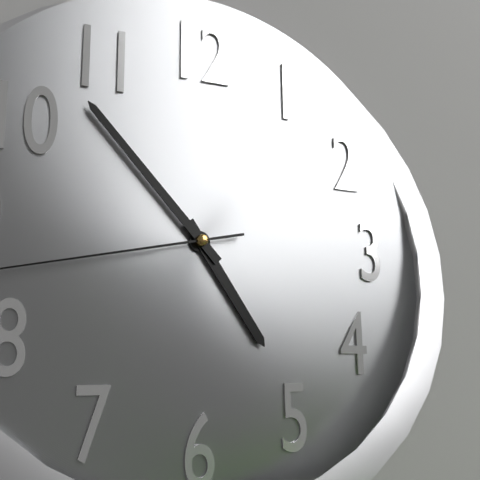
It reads 4,53
